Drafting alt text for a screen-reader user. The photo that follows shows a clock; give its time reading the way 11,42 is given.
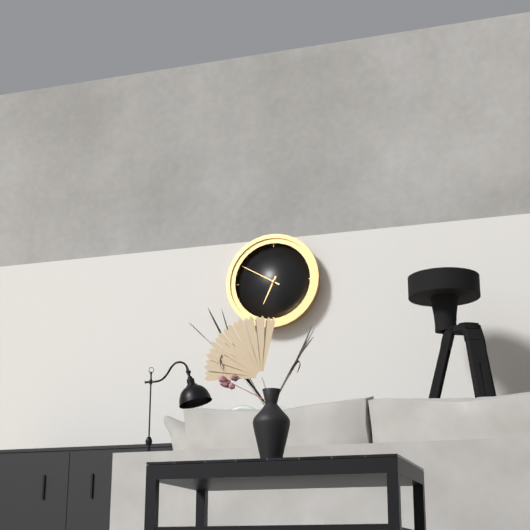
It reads 6,50
